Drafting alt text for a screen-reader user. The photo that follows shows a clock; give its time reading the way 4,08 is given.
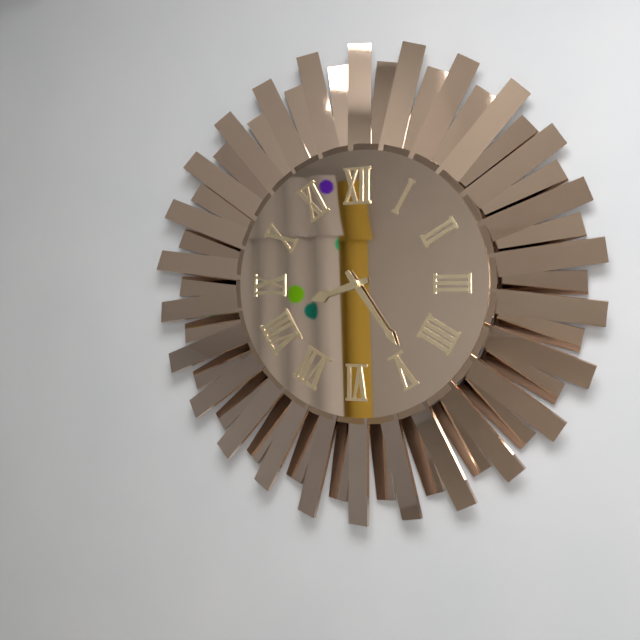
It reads 8,24
